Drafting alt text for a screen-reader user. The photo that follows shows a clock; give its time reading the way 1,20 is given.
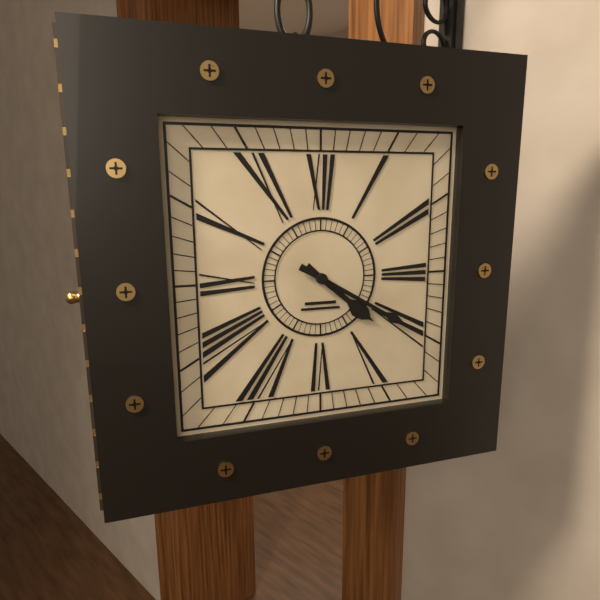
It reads 4,20
